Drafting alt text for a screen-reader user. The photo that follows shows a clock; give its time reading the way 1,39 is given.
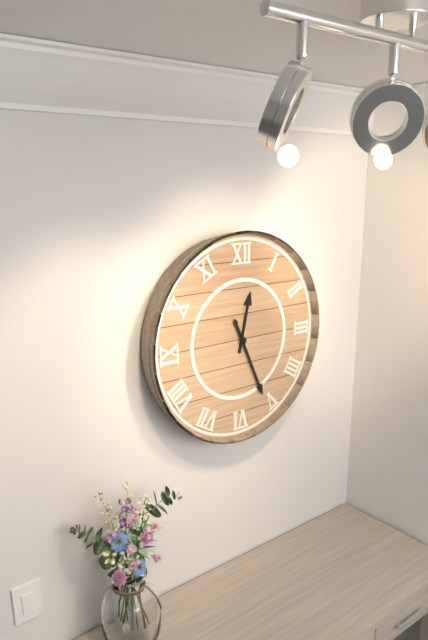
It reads 12,26
